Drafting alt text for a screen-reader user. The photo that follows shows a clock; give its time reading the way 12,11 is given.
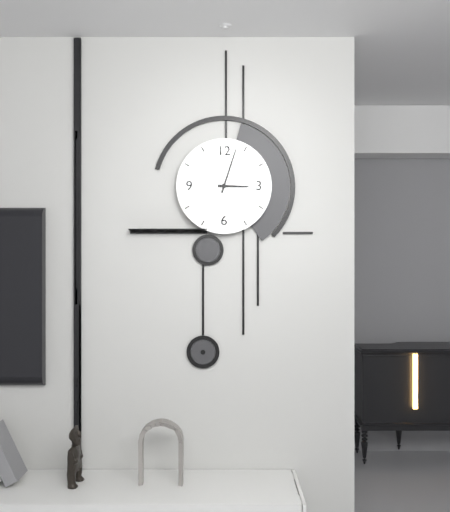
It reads 3,03
